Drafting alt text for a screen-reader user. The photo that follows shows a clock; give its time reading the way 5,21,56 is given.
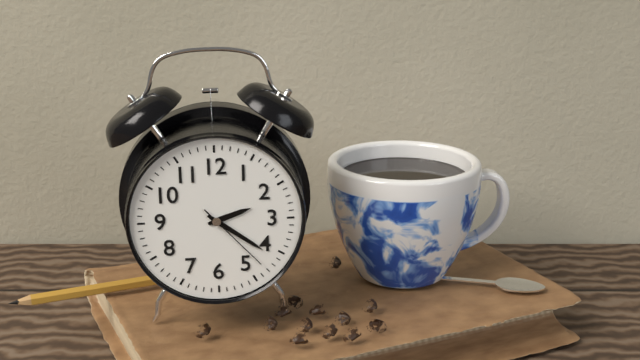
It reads 2,21,23
